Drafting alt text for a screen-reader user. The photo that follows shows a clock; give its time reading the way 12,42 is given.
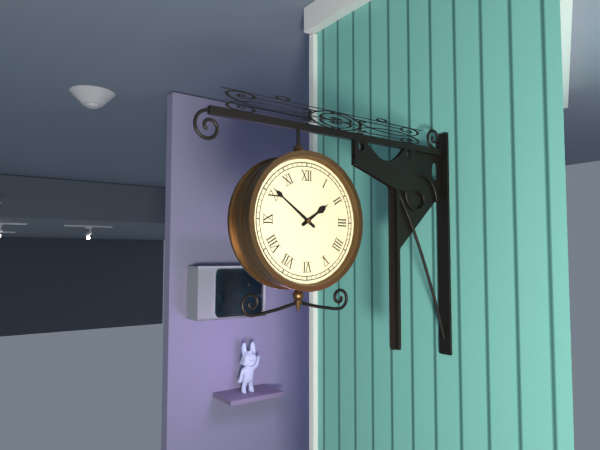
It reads 1,51
